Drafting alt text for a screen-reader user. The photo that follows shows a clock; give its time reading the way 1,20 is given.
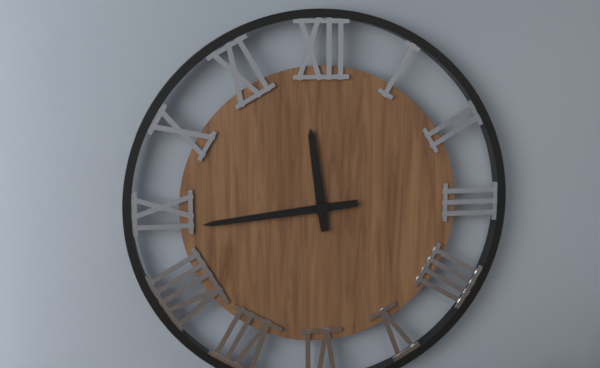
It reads 11,44
